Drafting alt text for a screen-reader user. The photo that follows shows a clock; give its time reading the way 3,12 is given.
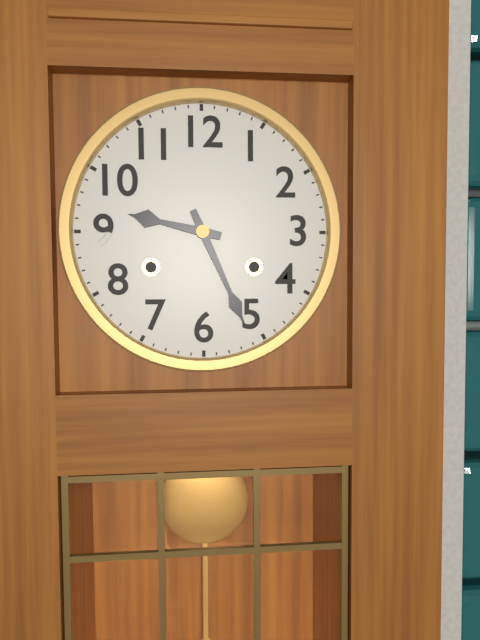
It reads 9,26
